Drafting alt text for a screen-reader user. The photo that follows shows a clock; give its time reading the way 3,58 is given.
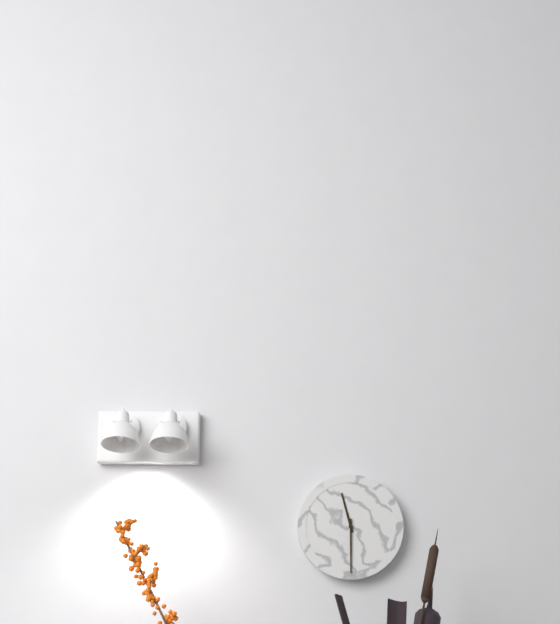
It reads 11,30
